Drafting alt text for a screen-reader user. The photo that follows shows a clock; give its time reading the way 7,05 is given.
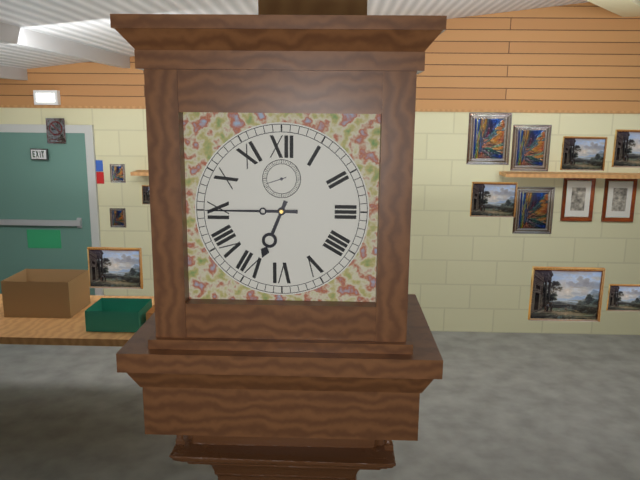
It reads 6,45
